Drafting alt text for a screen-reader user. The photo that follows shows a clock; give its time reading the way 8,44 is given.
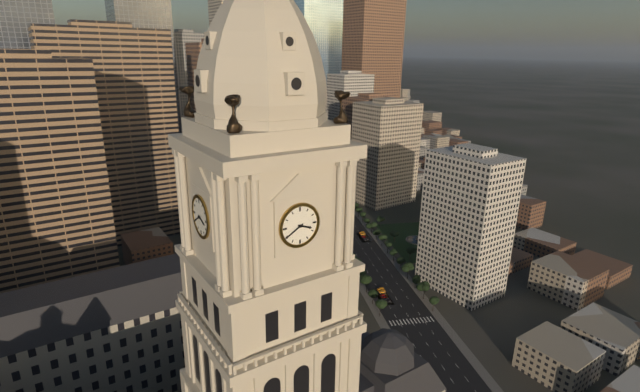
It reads 3,40
